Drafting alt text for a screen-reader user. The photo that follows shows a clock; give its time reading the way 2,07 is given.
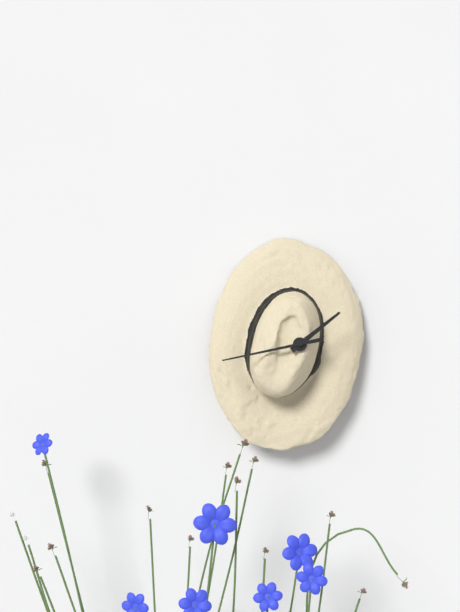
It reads 1,43
